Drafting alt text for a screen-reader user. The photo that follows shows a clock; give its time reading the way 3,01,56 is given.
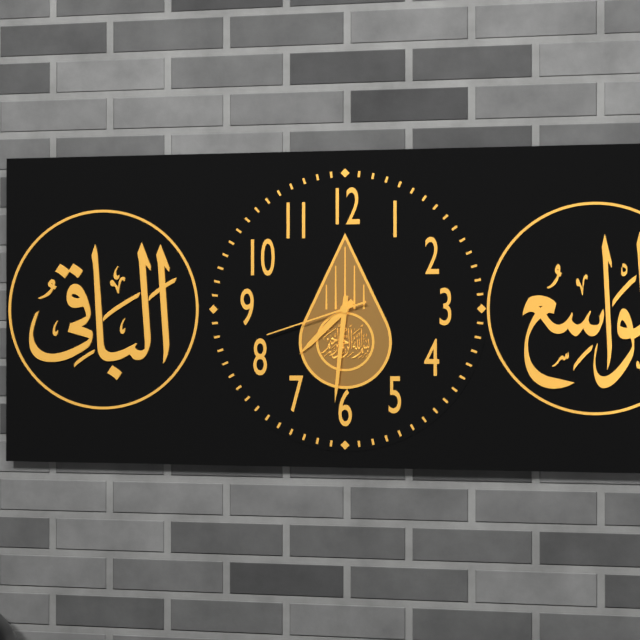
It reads 7,31,42
